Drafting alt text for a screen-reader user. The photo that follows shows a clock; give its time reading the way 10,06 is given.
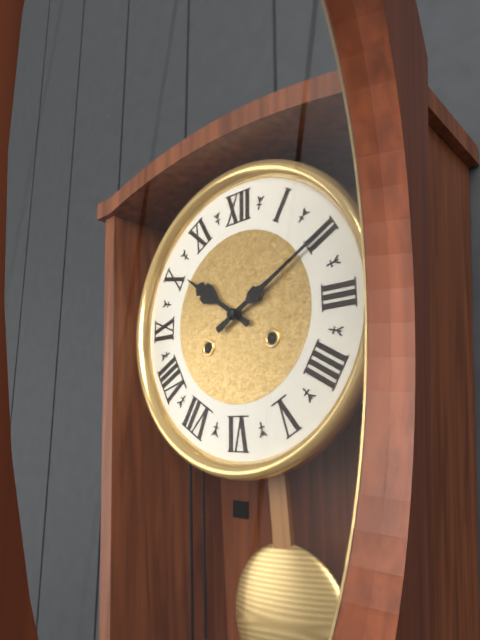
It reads 10,10
